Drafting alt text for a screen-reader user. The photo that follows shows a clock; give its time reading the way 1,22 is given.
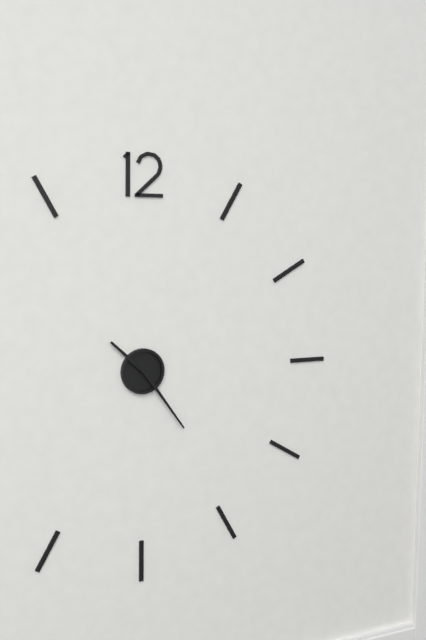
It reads 10,24
